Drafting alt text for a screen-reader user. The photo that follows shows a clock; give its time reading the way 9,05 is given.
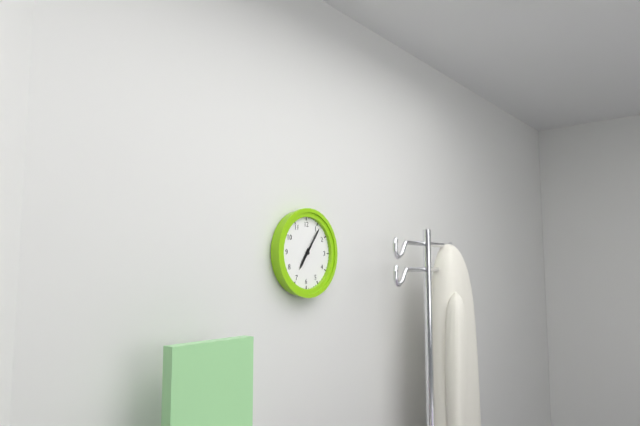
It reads 7,06
